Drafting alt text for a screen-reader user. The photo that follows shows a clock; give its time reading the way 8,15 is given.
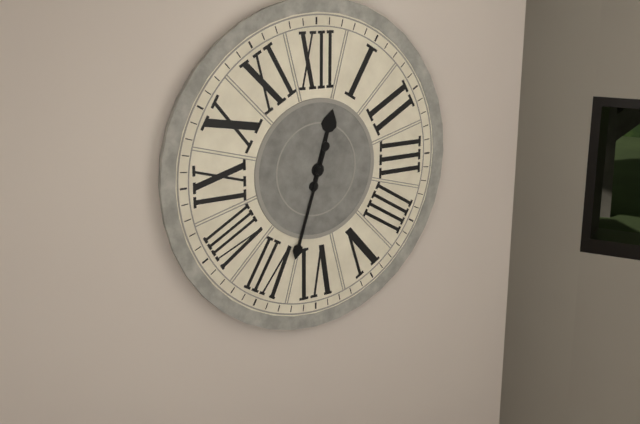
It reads 12,33
